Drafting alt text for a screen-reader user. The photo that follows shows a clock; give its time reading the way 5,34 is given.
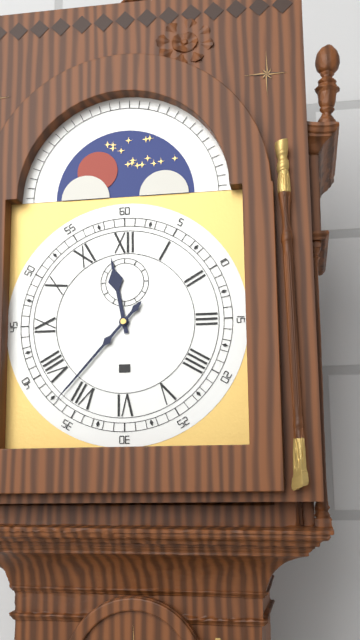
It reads 11,37
